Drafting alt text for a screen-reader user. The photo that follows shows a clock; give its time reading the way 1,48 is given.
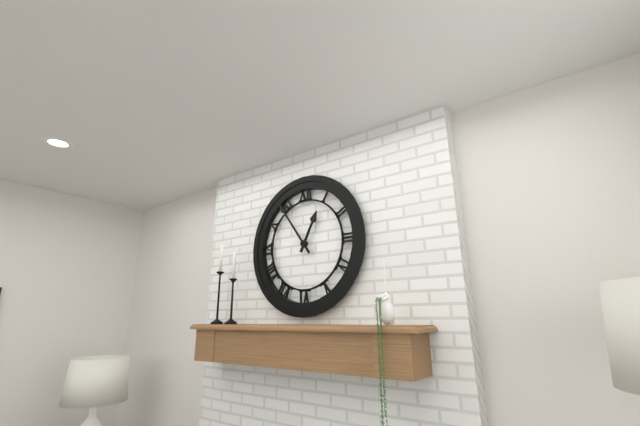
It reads 12,54
